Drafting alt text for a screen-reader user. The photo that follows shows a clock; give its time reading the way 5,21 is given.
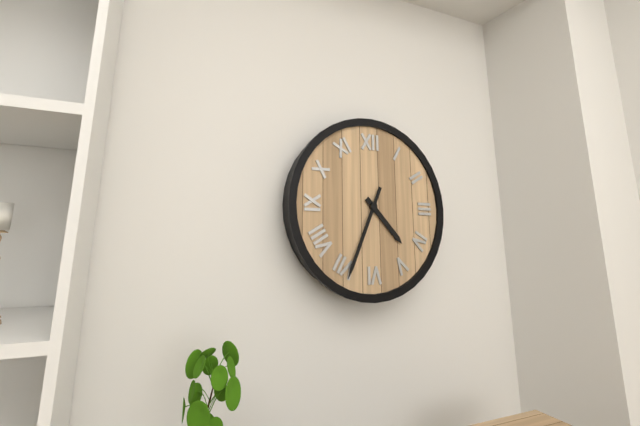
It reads 4,34
